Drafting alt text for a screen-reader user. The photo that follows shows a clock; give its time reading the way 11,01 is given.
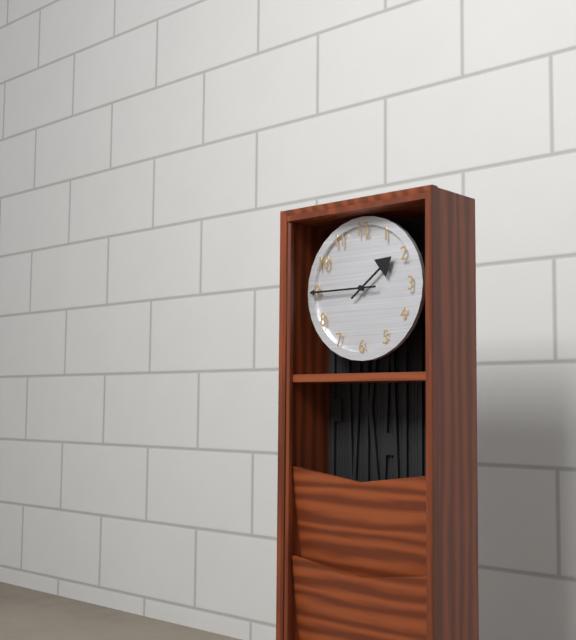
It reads 1,45
